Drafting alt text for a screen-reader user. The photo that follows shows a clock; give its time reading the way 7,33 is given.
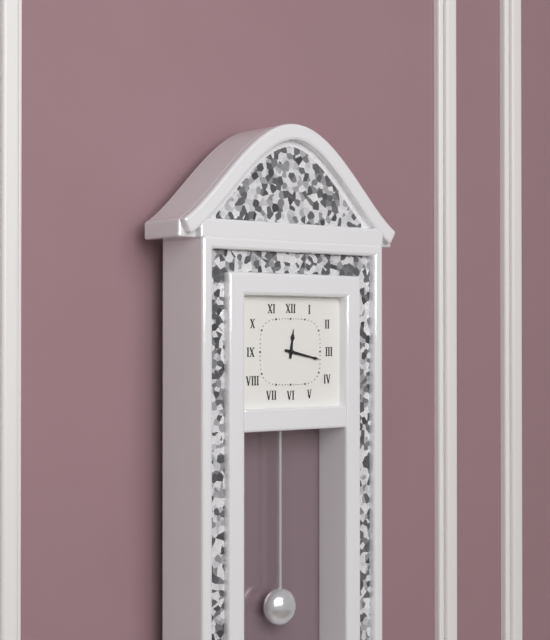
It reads 12,17
